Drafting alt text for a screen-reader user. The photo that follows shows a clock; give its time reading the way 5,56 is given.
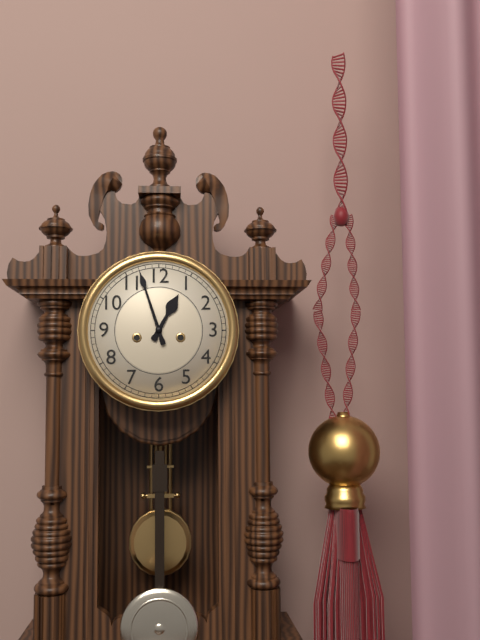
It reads 12,57
